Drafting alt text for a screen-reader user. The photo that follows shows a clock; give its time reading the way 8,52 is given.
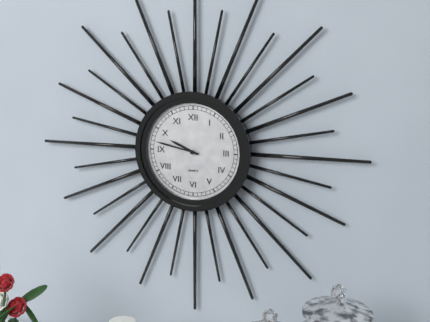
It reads 9,47
